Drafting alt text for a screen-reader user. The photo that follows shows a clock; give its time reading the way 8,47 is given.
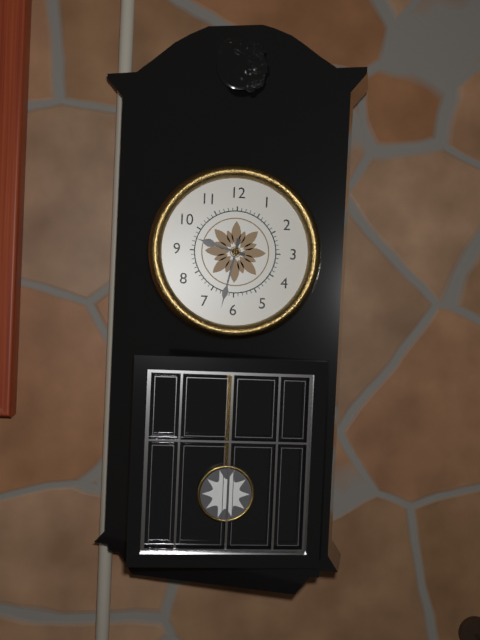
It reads 9,32
